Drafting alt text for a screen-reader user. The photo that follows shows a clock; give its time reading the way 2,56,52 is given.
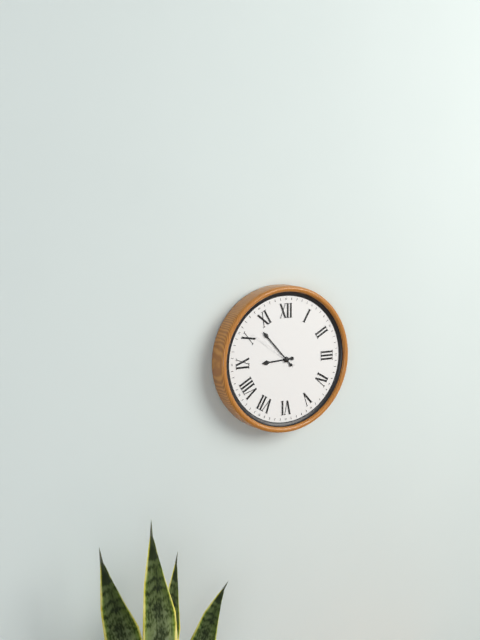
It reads 8,53,51
